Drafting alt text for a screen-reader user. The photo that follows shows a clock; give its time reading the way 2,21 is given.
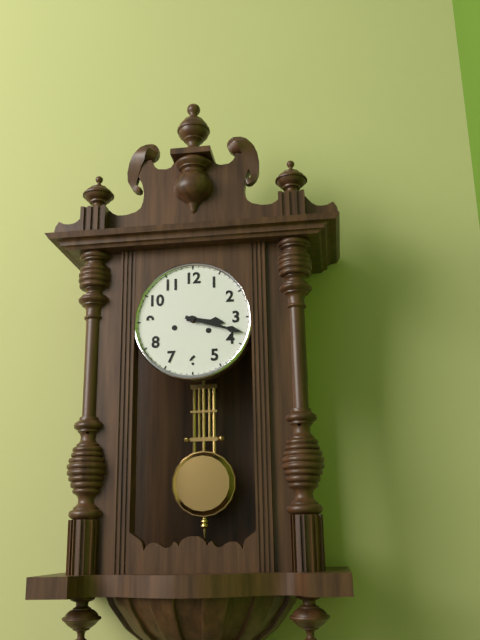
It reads 3,18
